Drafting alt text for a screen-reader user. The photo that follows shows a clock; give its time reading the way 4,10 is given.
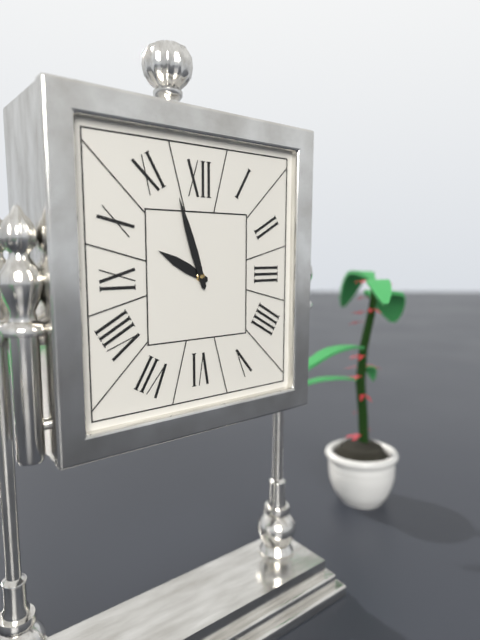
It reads 9,57
